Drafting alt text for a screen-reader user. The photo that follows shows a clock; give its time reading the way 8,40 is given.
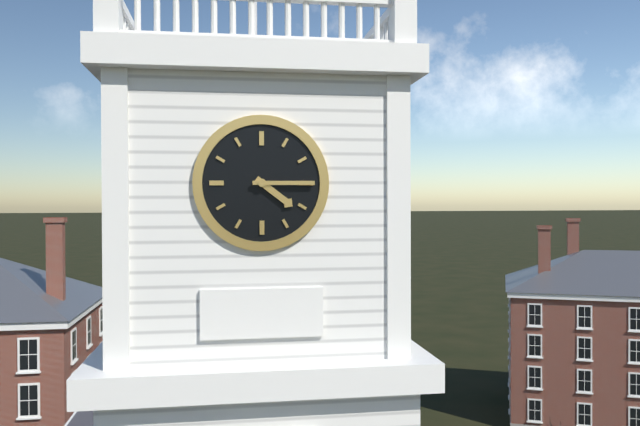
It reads 4,15
